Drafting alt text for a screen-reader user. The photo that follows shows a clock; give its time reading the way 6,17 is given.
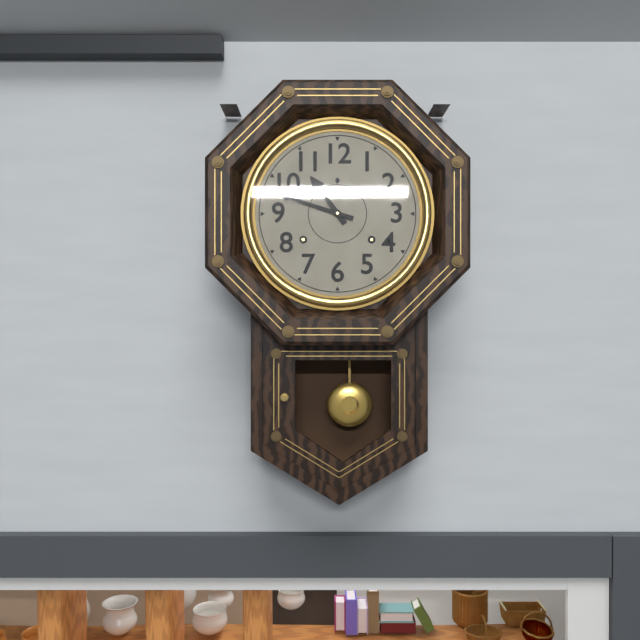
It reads 10,48
